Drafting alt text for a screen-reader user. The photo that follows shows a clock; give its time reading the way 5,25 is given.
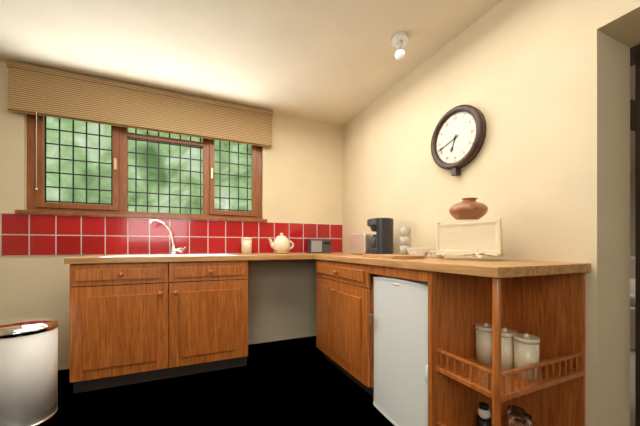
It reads 6,42
